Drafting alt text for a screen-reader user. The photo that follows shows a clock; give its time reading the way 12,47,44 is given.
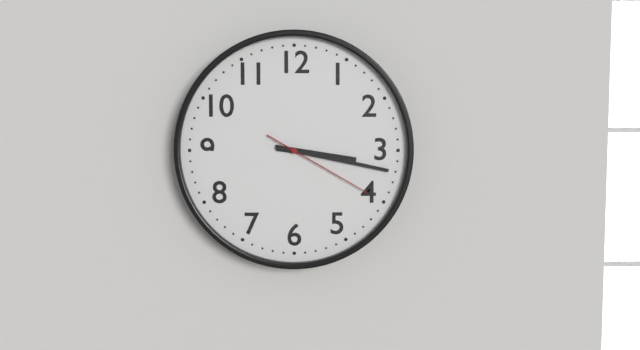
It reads 3,17,20
